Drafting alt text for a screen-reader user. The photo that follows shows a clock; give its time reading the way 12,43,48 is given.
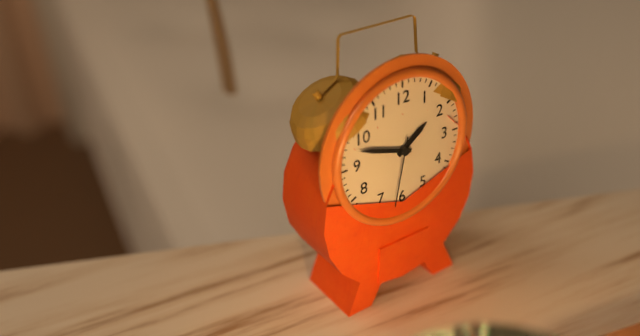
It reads 1,48,32
